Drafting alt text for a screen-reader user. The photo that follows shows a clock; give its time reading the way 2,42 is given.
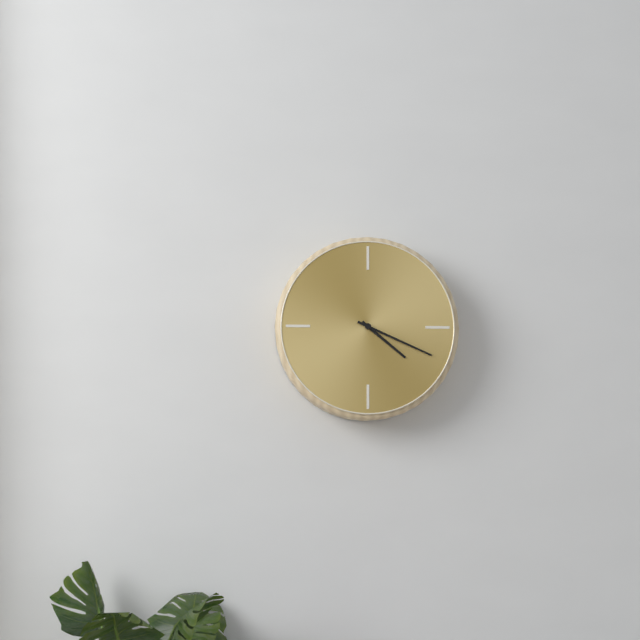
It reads 4,19
